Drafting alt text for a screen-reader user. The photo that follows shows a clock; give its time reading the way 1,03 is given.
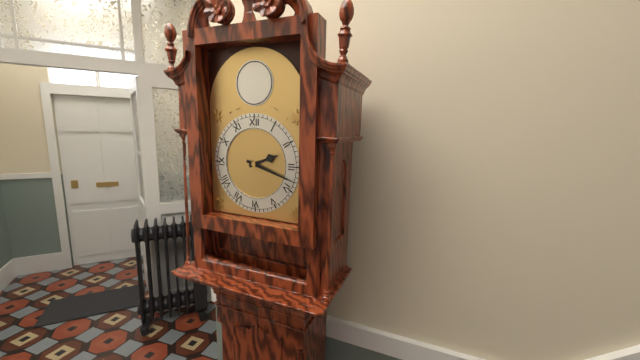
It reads 2,18
